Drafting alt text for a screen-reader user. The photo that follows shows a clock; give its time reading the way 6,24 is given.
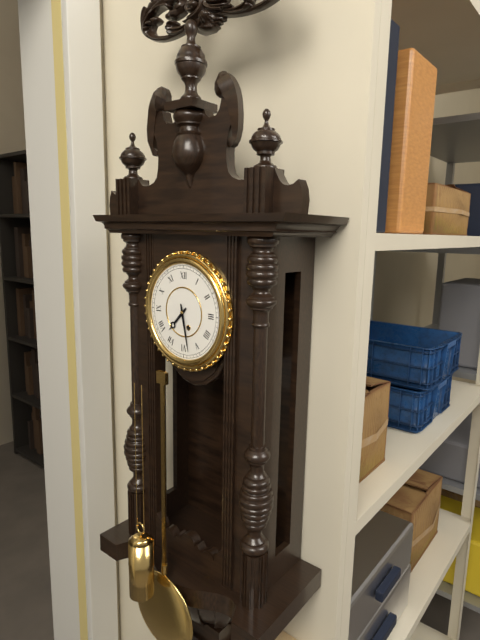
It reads 7,28
